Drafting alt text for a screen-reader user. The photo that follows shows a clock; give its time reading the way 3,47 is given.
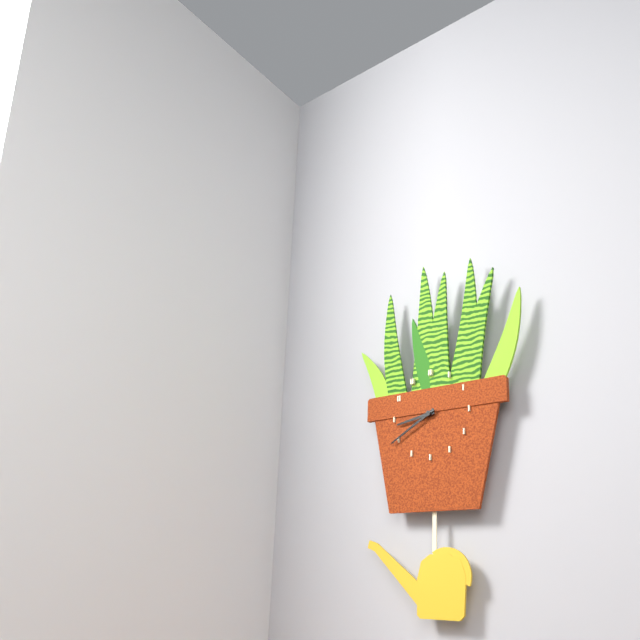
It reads 8,40
